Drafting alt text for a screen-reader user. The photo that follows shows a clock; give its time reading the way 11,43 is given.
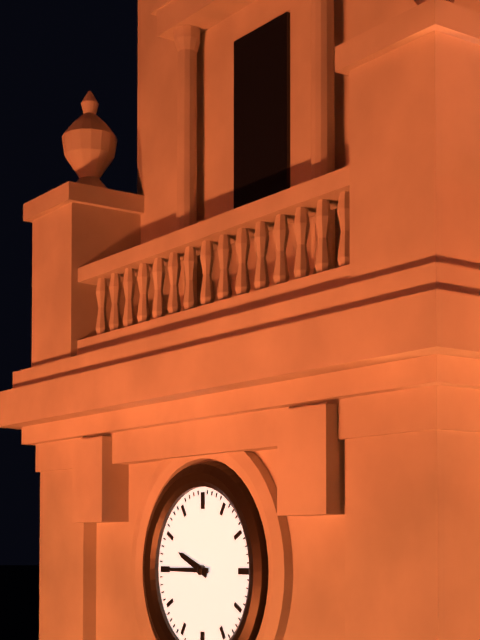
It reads 9,45
